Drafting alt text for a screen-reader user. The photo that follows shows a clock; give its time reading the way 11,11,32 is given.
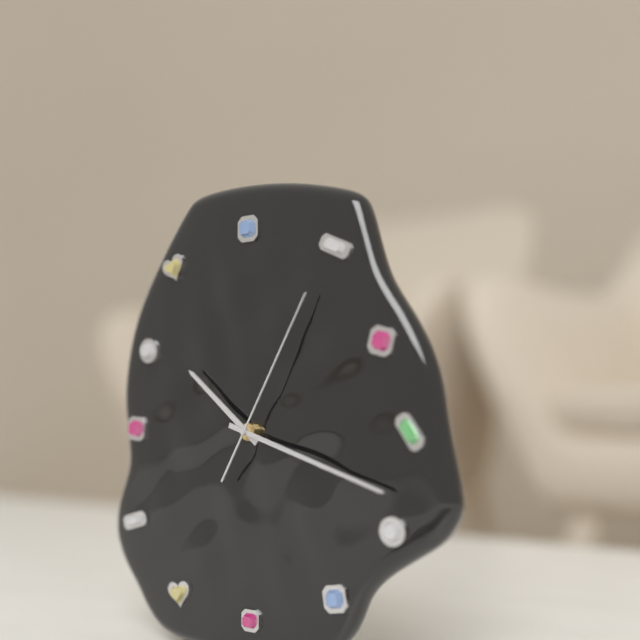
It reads 10,18,05
